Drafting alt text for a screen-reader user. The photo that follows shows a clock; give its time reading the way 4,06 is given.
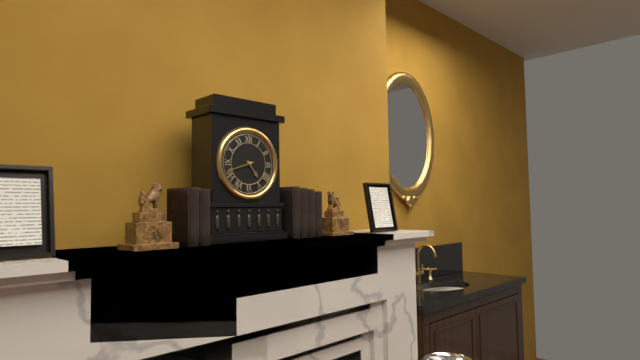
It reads 4,42
